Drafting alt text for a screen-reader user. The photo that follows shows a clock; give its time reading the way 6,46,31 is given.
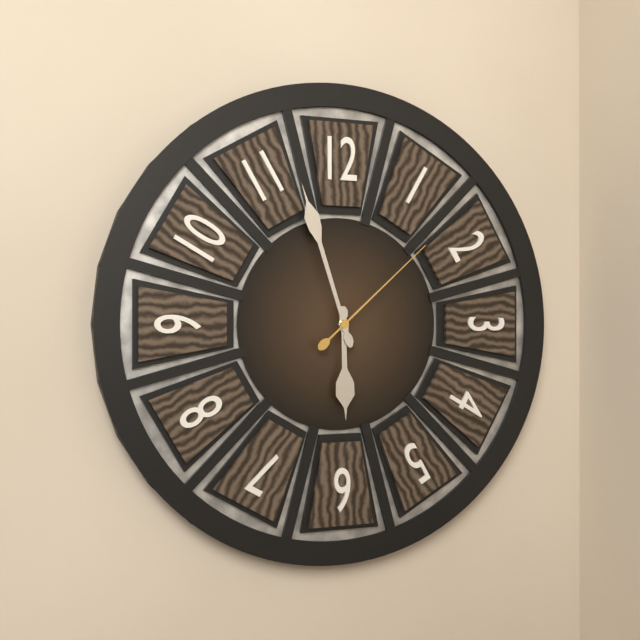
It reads 5,57,08
